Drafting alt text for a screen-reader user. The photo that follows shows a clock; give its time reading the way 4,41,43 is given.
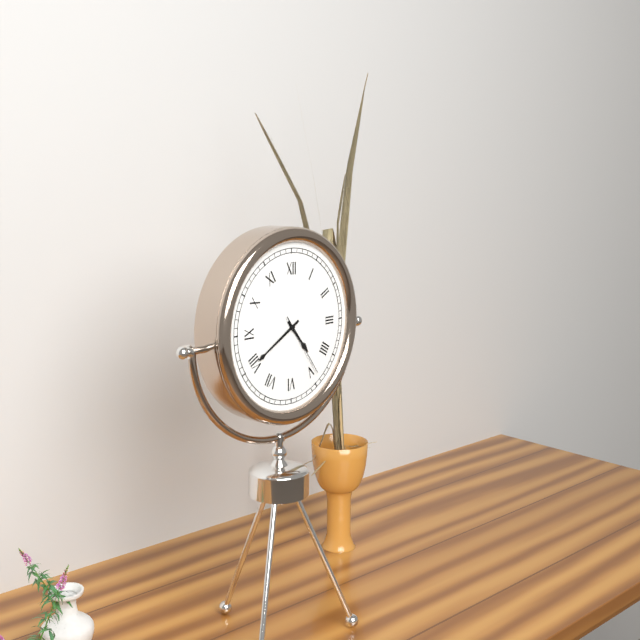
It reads 4,40,24
